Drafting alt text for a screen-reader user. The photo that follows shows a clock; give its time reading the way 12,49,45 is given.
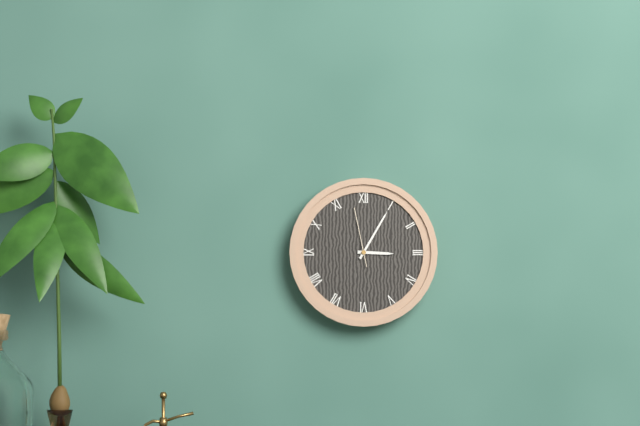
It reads 3,05,58
